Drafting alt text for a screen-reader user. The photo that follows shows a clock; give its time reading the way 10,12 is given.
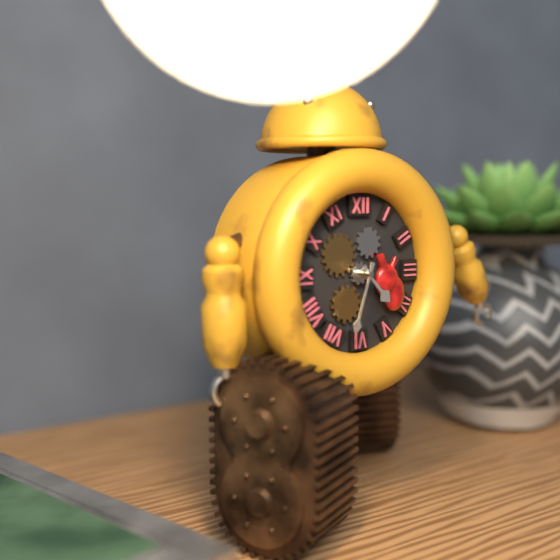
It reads 4,33
